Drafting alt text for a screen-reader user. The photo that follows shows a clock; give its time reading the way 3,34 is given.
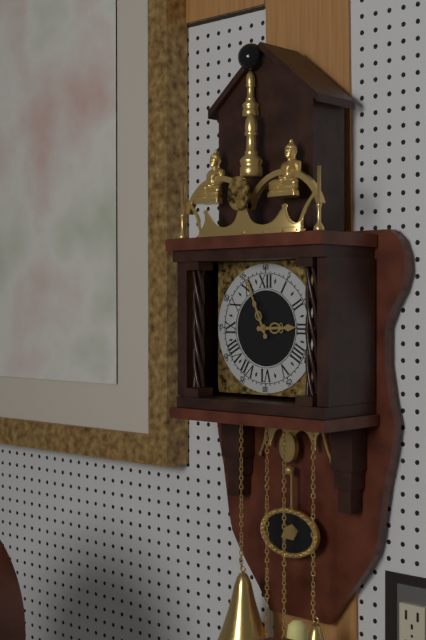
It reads 2,56
